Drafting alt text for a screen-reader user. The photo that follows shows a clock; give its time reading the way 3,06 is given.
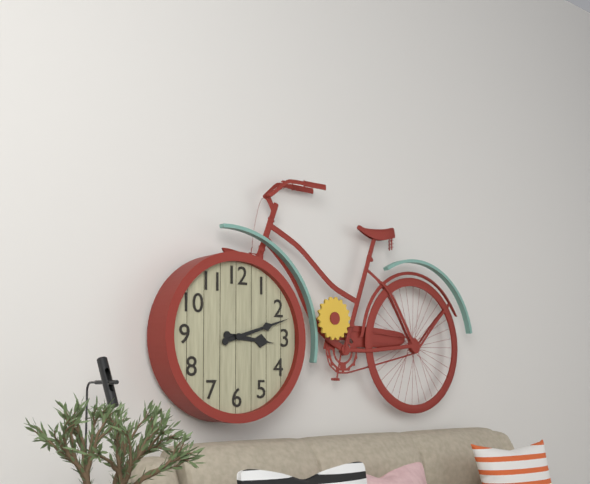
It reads 3,12
